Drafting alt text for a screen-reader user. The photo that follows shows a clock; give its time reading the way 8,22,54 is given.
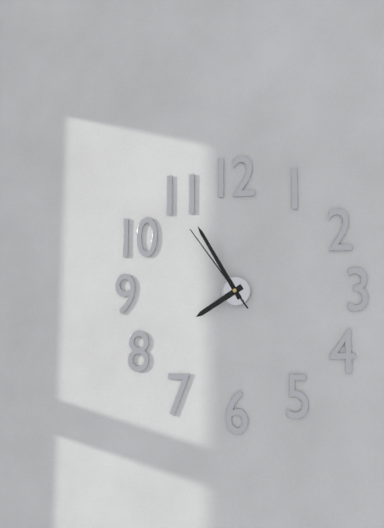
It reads 7,55,54
